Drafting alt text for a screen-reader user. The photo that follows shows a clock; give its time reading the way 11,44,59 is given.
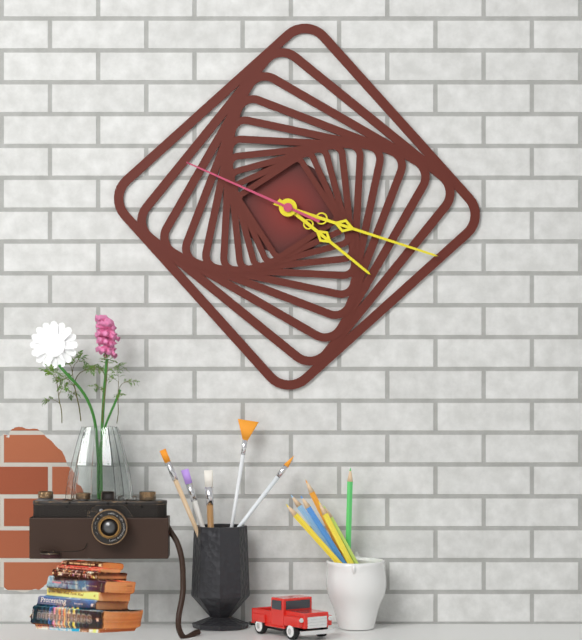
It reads 4,18,49
